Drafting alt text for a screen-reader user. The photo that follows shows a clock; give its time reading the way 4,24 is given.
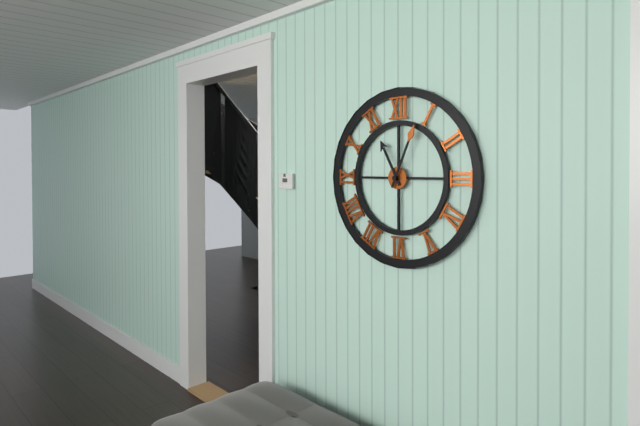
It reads 11,04
